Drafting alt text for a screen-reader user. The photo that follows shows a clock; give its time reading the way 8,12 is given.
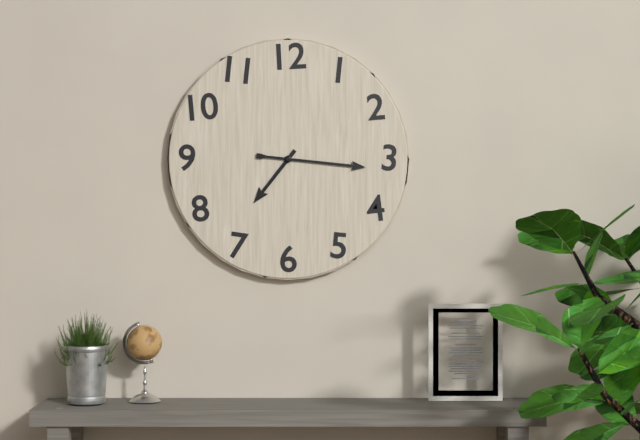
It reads 7,16
